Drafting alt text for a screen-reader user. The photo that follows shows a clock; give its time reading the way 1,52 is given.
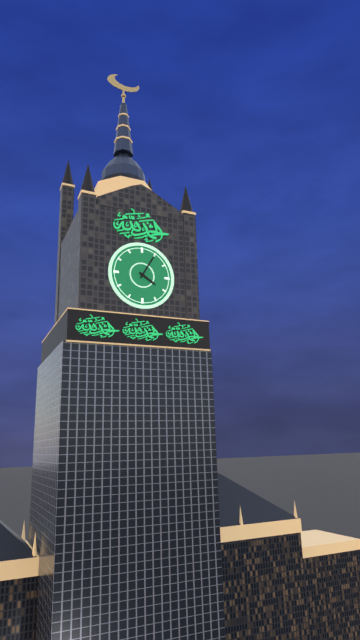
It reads 4,05
